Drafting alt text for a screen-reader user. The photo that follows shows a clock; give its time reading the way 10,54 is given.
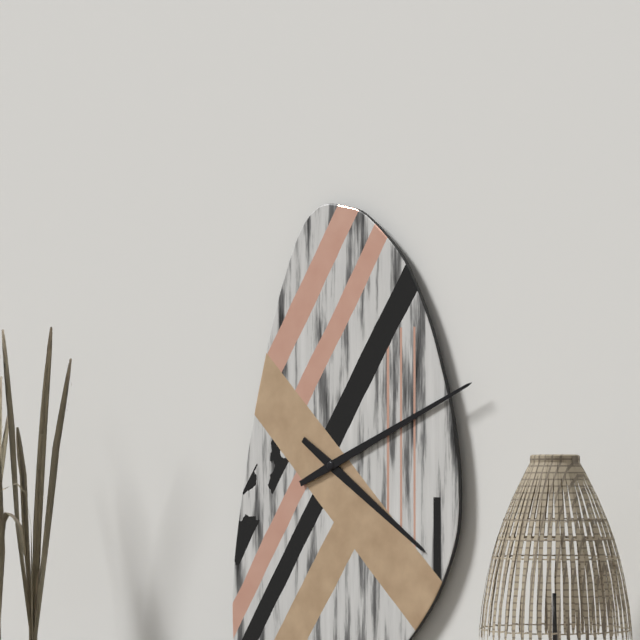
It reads 4,11
